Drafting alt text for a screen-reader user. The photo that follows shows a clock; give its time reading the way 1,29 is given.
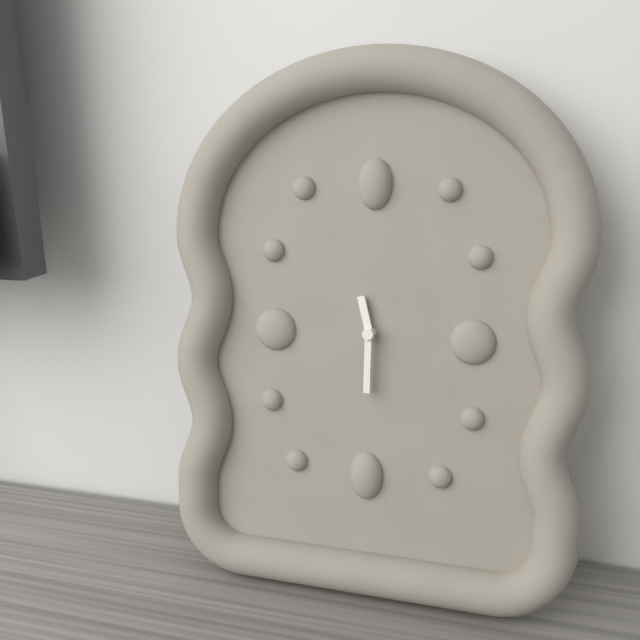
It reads 11,30
